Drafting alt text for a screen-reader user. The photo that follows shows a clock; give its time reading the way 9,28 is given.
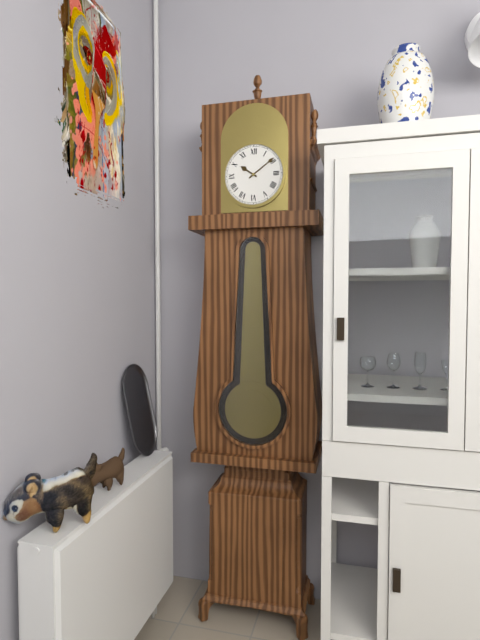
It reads 10,09
